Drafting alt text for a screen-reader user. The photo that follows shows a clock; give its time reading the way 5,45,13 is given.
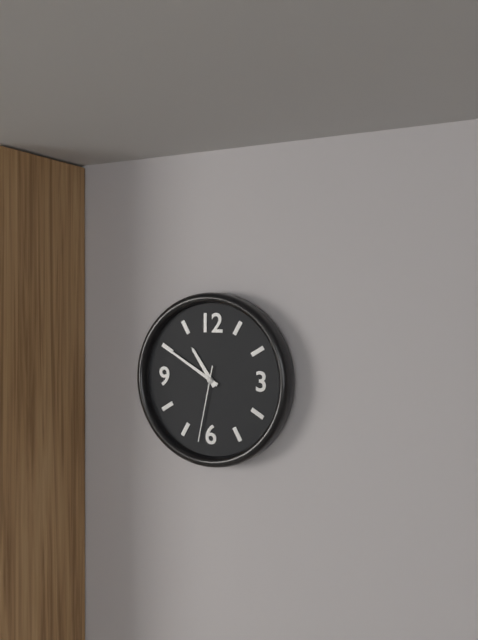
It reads 10,50,32
